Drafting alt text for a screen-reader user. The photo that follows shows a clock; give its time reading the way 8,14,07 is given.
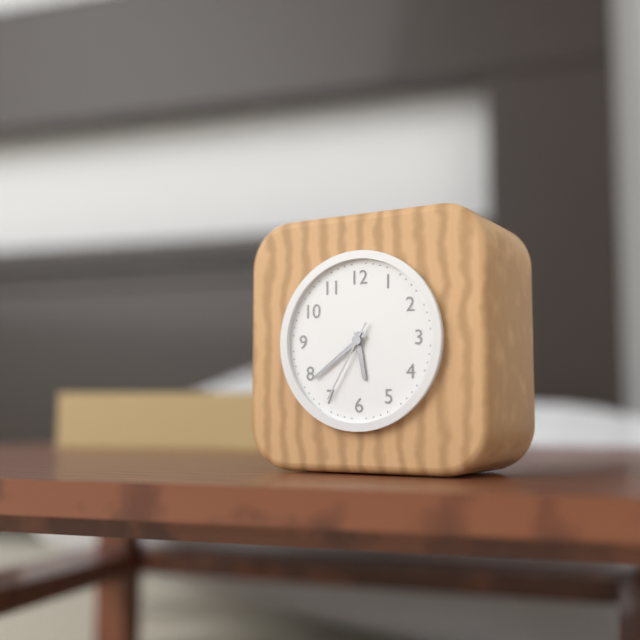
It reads 5,39,35
